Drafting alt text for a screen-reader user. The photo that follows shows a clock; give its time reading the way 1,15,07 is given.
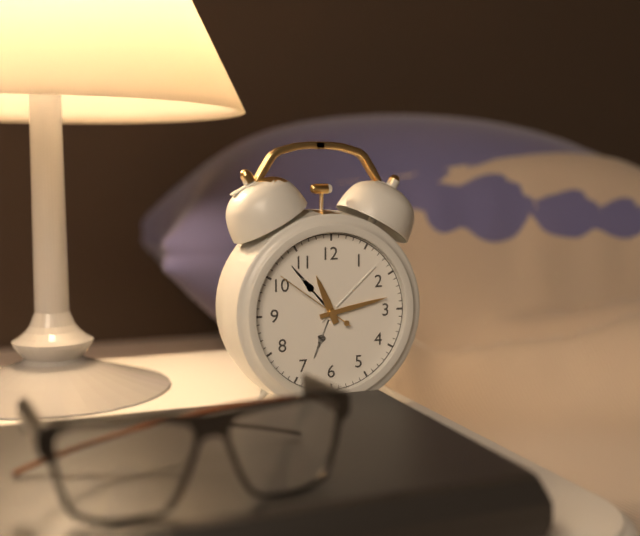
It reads 11,13,51
